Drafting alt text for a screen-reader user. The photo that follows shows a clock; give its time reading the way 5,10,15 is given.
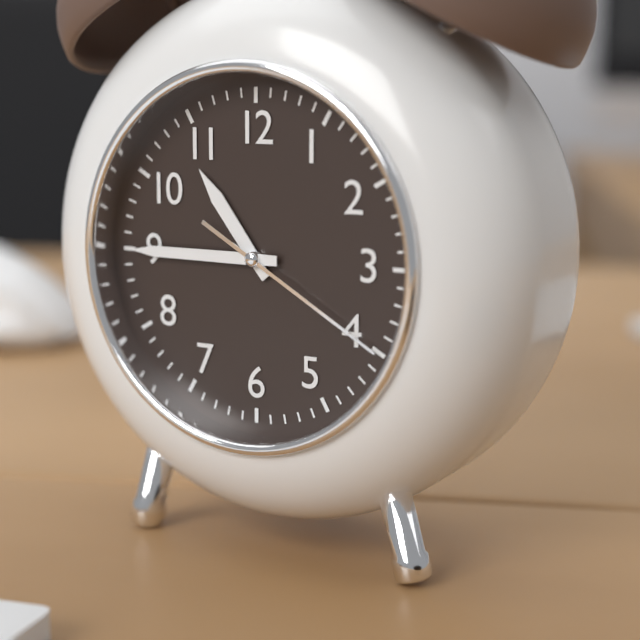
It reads 10,45,20
